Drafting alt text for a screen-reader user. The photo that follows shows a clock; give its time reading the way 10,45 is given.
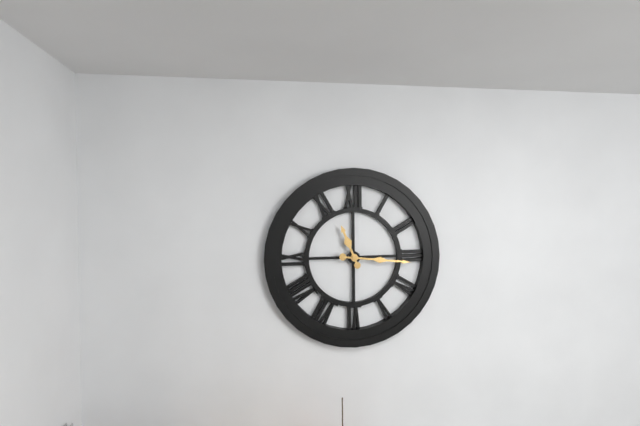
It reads 11,16
